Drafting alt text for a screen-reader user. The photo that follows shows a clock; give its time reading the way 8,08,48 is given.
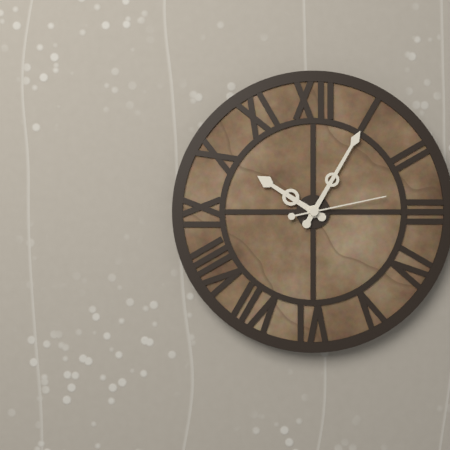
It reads 10,05,13
